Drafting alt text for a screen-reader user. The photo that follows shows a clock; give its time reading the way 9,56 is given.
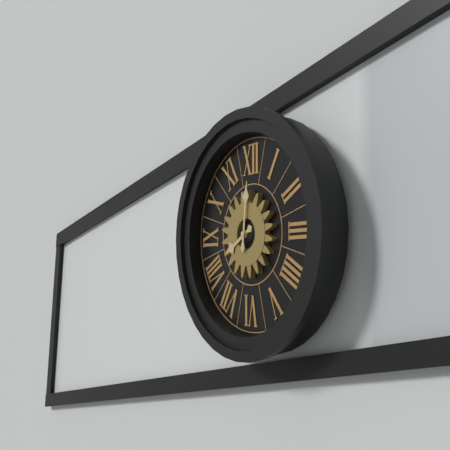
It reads 8,01
